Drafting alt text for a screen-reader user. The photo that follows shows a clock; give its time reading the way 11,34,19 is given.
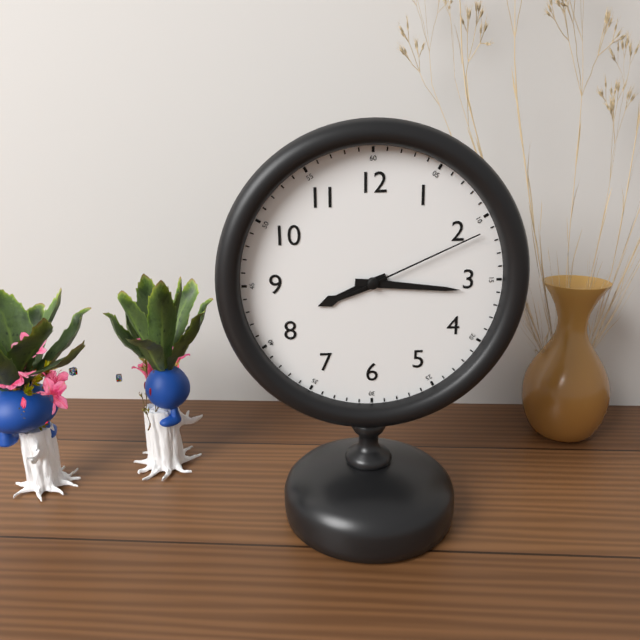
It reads 8,16,11
